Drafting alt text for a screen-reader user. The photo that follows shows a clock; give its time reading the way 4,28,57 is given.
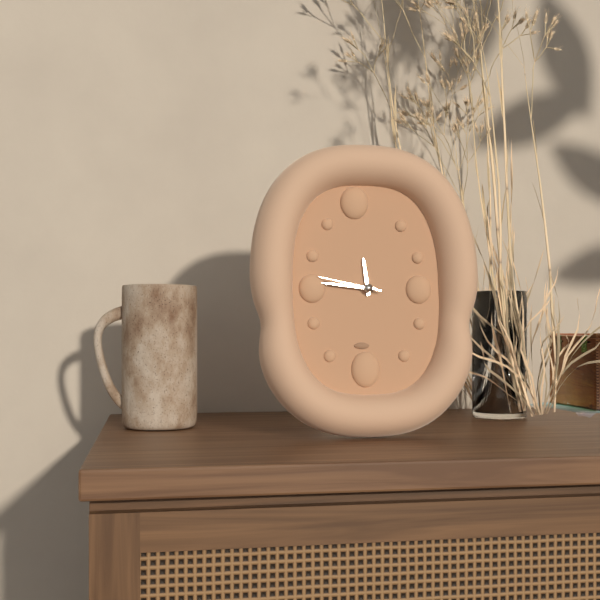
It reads 11,46,47
